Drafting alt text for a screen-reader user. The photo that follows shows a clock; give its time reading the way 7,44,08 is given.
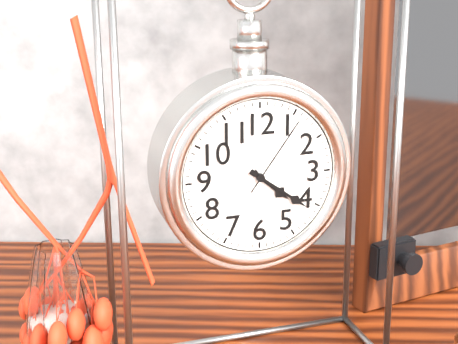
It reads 4,21,06
